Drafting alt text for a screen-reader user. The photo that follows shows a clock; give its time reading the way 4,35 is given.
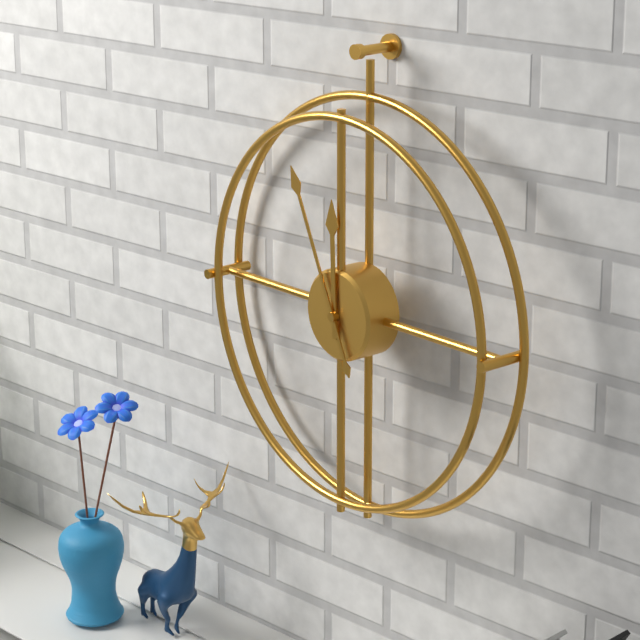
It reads 11,56
